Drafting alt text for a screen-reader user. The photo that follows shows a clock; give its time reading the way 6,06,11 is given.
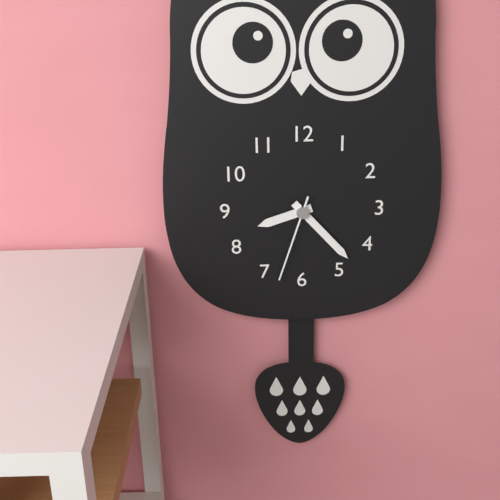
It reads 8,23,33
